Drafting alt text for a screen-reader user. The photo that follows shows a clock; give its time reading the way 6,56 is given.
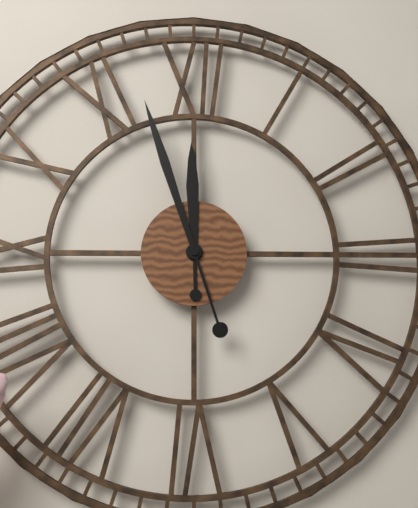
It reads 11,57
